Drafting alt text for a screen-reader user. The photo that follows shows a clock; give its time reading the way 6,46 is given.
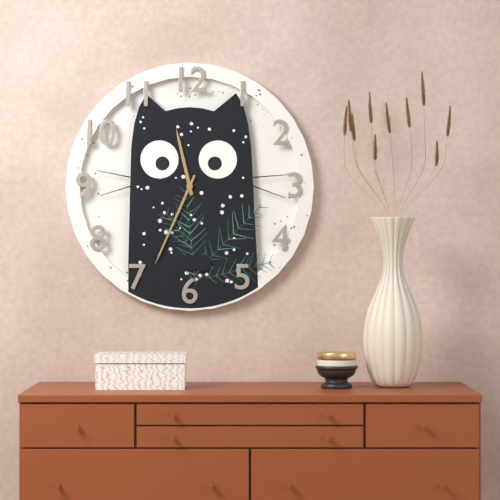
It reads 11,34
